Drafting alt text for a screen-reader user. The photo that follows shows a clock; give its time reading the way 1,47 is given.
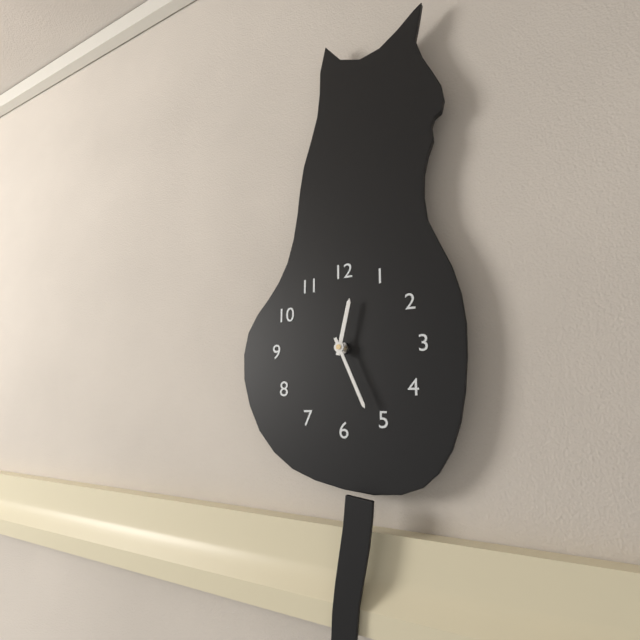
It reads 12,26
